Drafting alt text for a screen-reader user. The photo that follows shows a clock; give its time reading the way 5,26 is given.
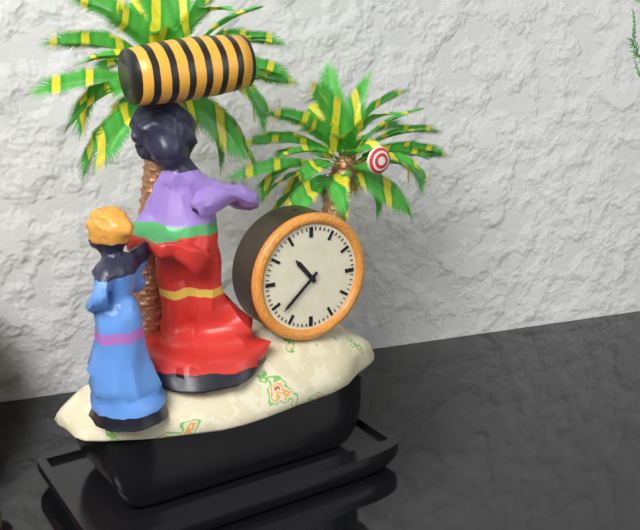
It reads 10,38
